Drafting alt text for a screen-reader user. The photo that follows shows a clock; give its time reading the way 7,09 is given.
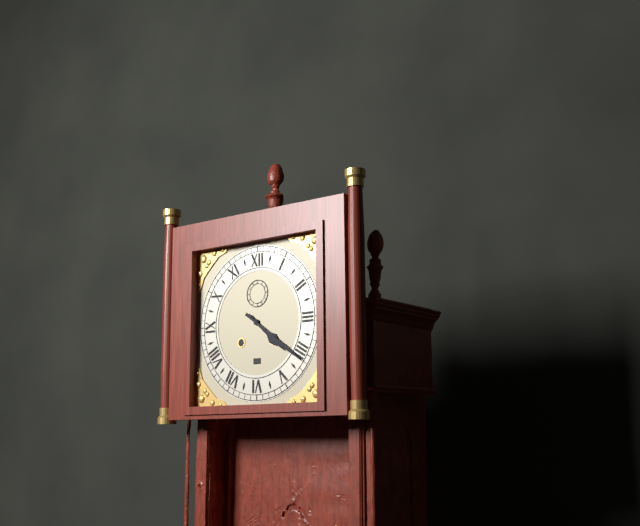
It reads 4,21
